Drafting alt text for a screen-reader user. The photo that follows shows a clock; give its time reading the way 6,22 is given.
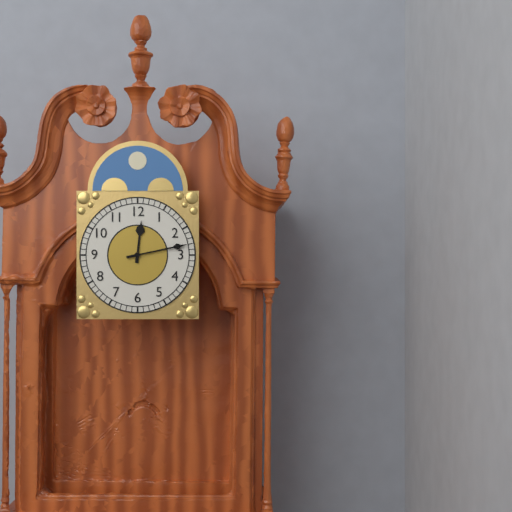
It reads 12,13
